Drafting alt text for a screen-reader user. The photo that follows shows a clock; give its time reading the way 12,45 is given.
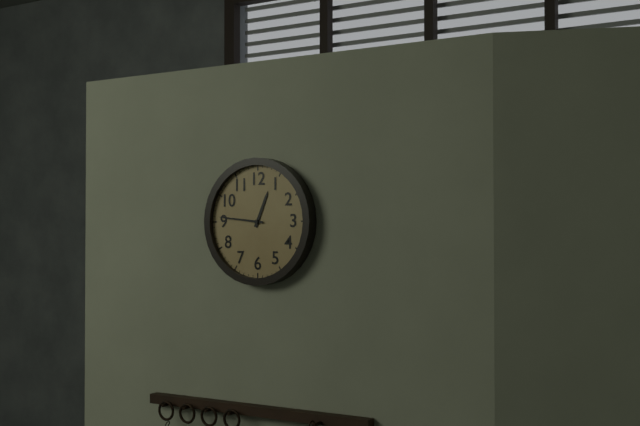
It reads 12,46
